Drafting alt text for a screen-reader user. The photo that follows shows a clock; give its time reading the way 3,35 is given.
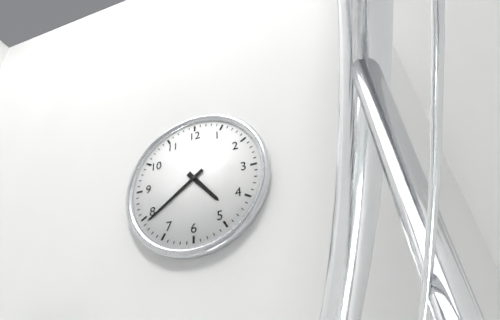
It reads 4,39
